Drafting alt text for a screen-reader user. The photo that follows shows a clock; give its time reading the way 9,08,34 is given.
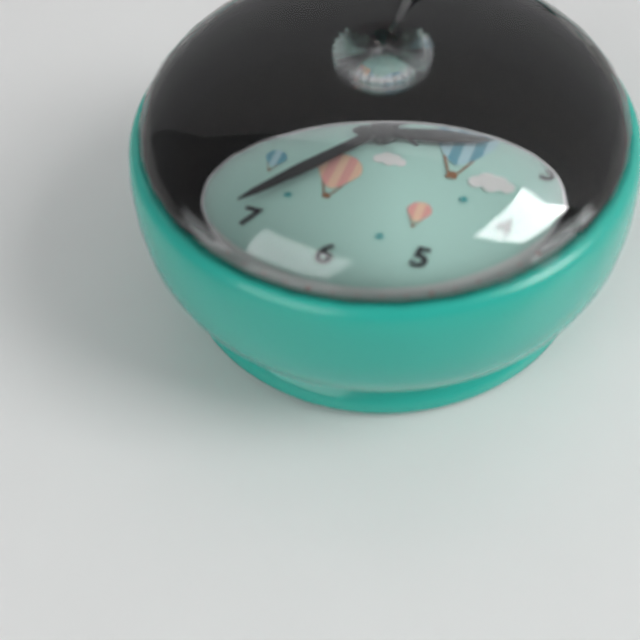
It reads 2,36,49
